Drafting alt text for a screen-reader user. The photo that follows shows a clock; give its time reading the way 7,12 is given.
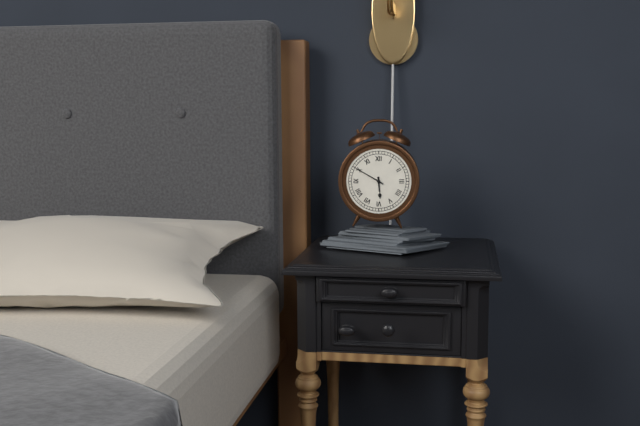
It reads 5,50
